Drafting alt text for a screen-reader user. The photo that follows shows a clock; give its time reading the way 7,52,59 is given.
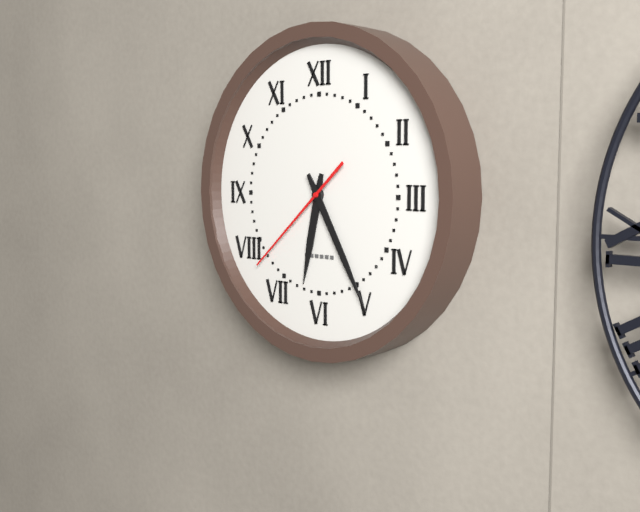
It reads 6,25,38
